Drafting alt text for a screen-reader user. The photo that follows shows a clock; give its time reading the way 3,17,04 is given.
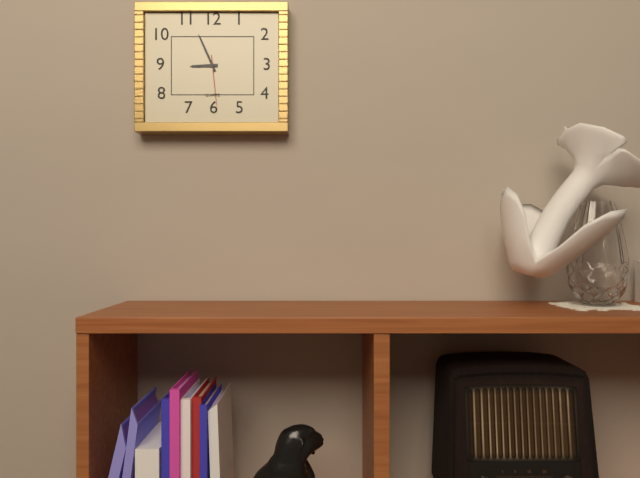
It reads 8,56,29
